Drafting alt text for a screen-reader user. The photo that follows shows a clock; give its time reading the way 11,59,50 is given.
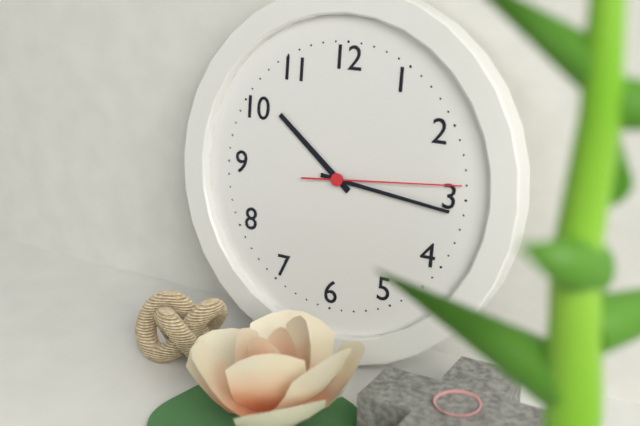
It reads 10,16,14
